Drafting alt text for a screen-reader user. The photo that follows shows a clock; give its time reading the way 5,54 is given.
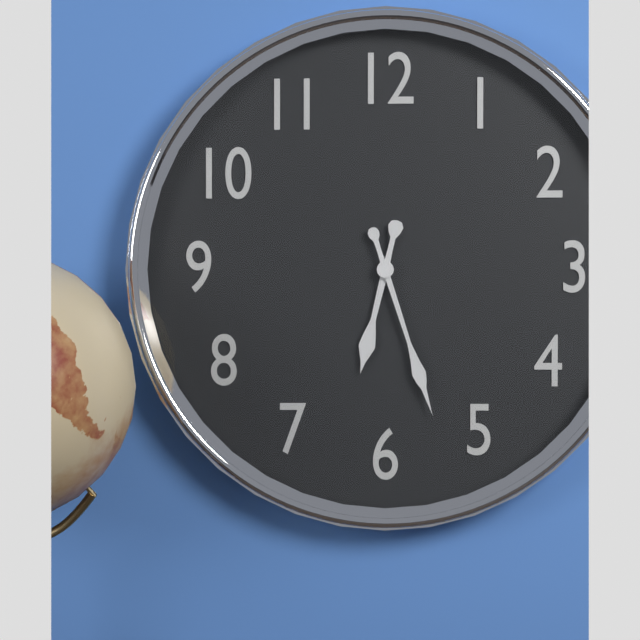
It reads 6,27
